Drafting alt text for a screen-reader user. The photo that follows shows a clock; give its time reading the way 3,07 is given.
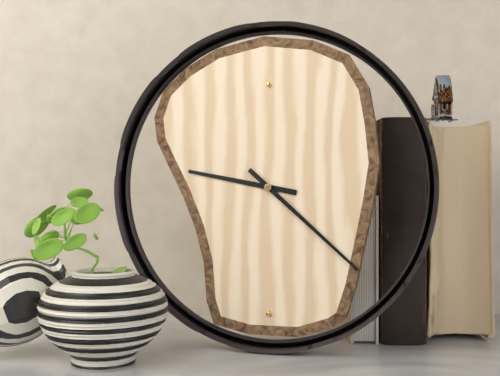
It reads 9,22
